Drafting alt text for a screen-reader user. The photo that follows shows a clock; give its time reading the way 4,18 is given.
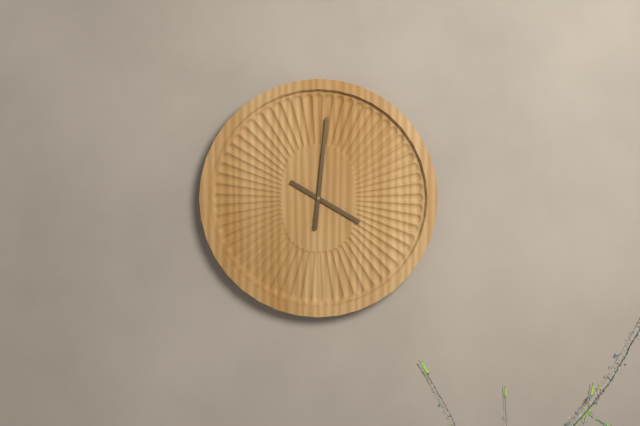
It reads 4,01
